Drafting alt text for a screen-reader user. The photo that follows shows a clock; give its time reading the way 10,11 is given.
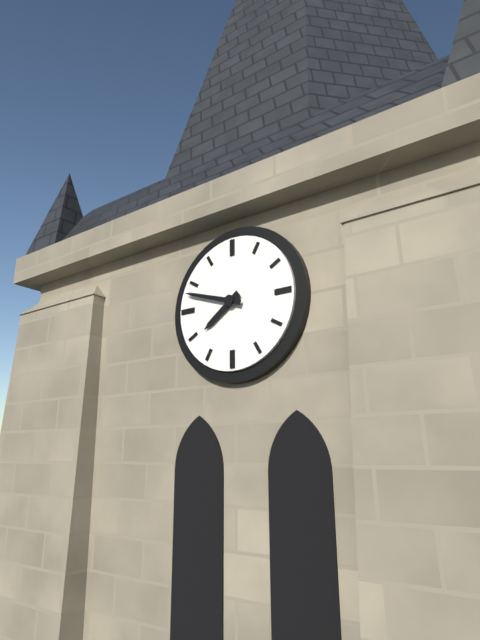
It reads 7,48
